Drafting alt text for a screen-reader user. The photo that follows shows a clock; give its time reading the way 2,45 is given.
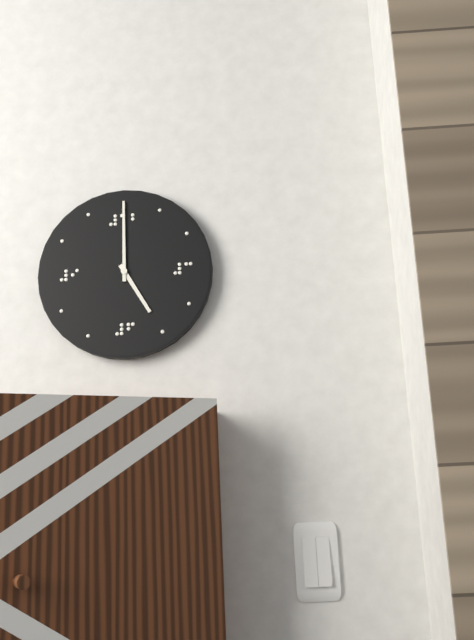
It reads 5,00
